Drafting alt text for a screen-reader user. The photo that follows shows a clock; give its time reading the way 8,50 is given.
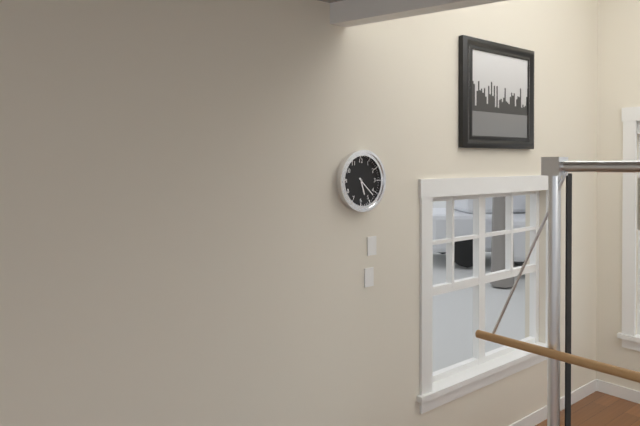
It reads 5,22
